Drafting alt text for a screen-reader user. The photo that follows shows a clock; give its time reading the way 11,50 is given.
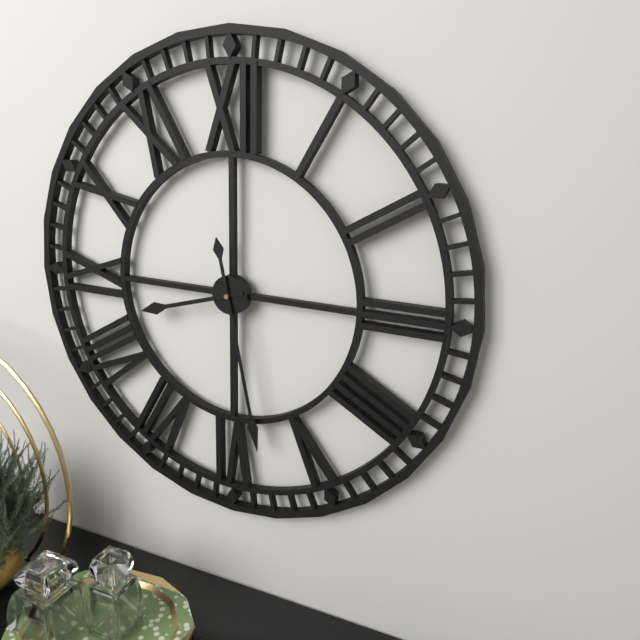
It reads 8,28
